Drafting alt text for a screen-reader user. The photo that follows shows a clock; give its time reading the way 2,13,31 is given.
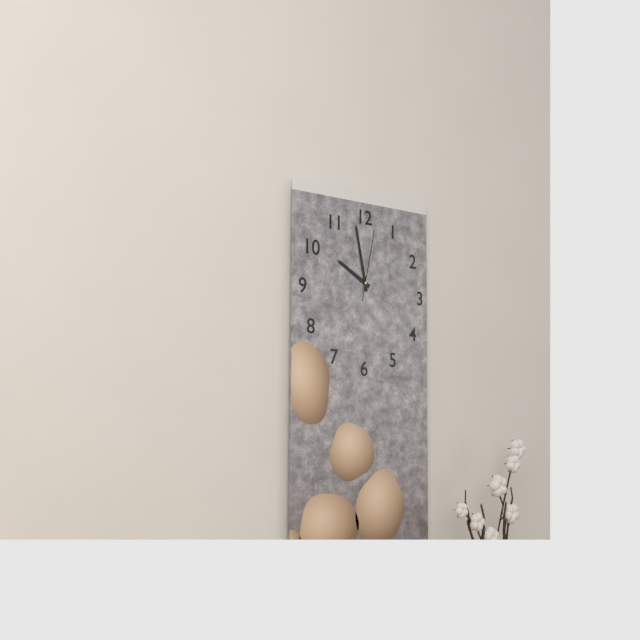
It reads 9,58,02
